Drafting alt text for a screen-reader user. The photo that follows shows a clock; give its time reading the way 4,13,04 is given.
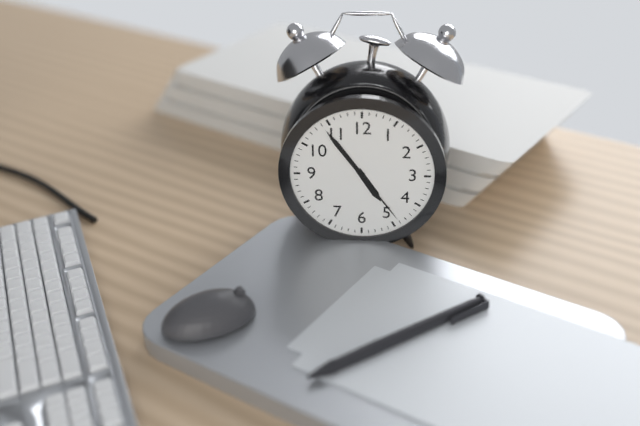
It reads 4,54,24
